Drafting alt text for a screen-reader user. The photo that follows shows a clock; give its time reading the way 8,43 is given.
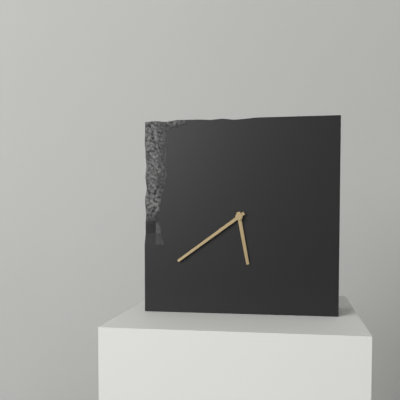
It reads 5,39
